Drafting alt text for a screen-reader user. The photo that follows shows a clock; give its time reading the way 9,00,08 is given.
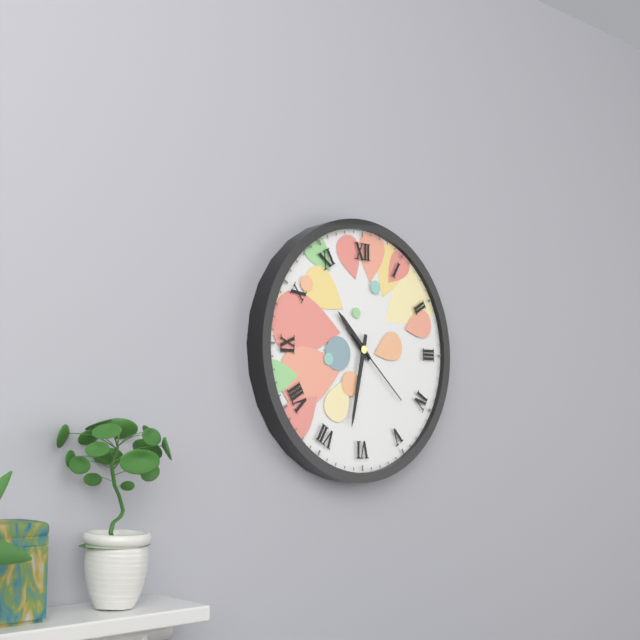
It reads 10,32,22
